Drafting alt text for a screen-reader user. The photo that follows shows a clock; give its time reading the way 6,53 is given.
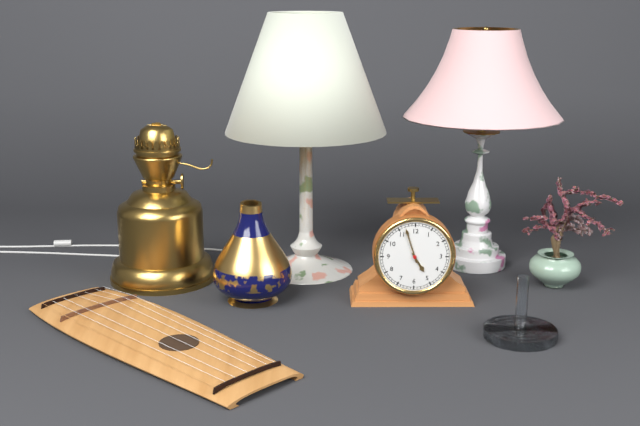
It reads 4,57
